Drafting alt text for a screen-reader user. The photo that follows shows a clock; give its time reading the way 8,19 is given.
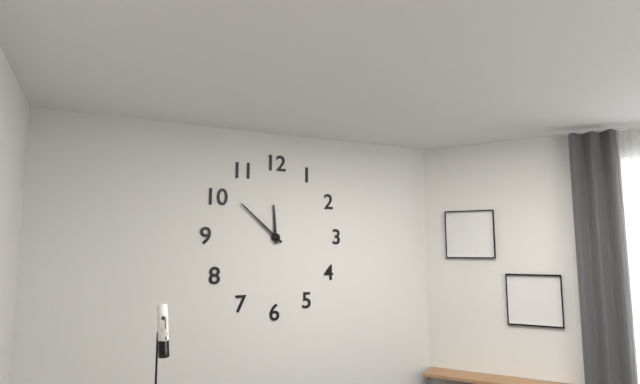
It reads 11,52
